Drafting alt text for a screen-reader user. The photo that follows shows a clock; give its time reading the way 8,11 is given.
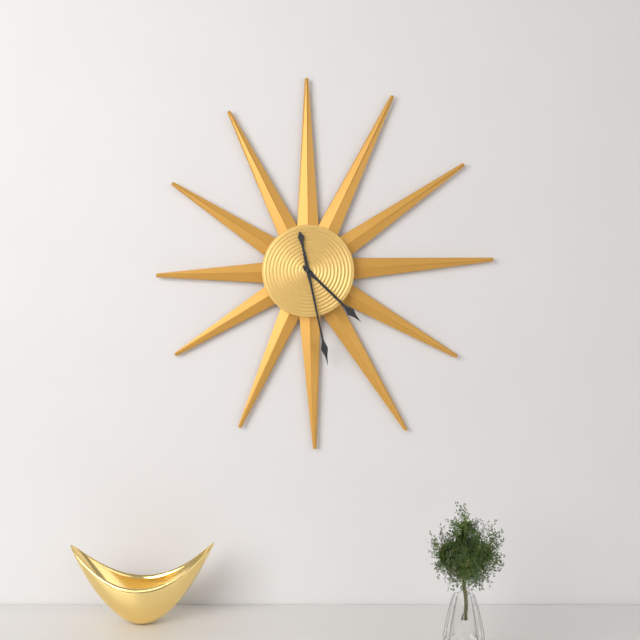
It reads 4,28
